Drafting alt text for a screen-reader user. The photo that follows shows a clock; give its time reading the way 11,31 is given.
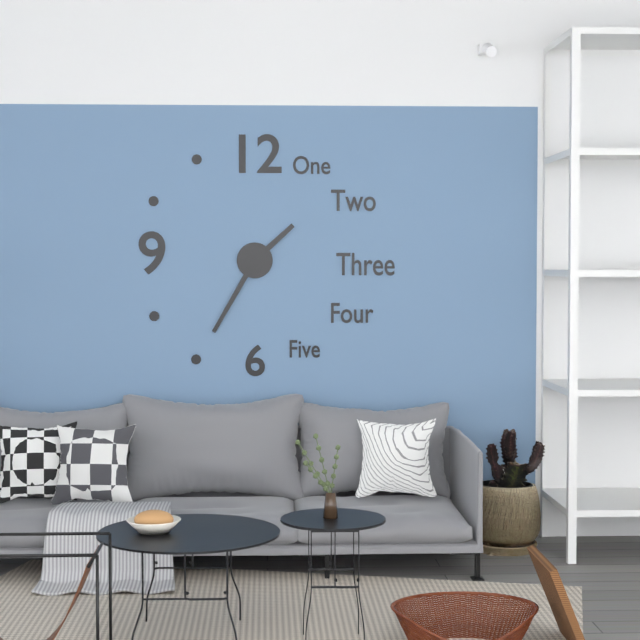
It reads 1,35
